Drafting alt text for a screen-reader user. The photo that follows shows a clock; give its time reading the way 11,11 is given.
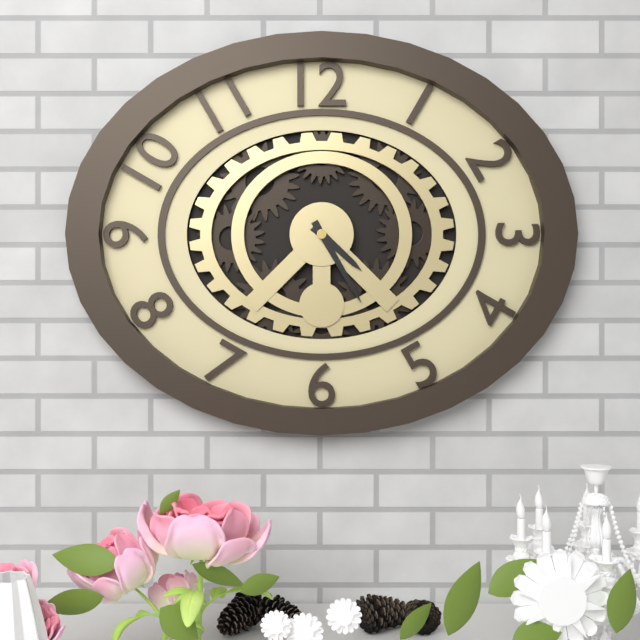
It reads 4,25
